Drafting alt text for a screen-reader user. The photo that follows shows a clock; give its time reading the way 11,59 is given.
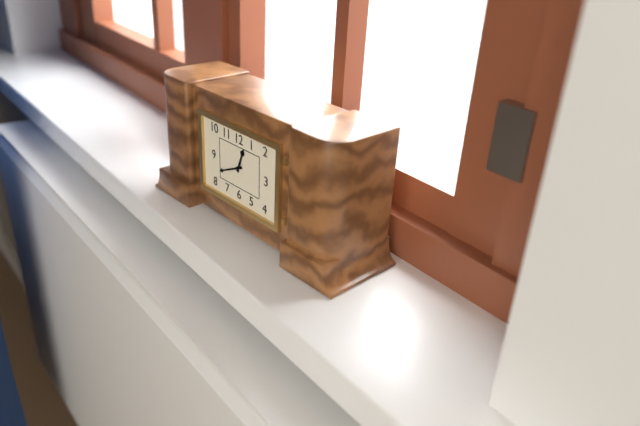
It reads 12,41
